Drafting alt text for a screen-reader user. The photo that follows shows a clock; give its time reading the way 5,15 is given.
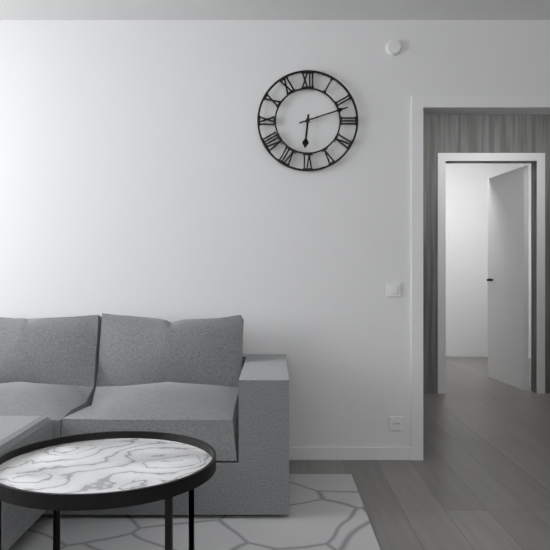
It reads 6,12
